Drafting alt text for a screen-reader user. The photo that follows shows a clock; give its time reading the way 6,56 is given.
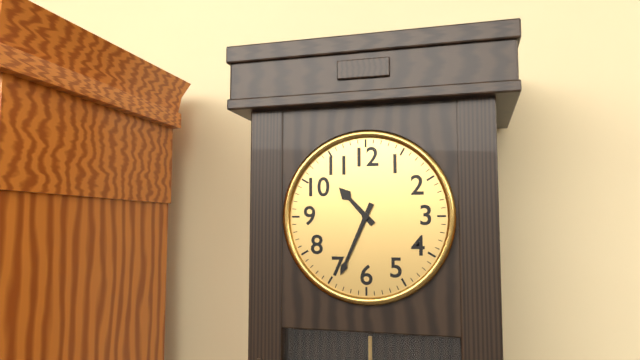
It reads 10,34
